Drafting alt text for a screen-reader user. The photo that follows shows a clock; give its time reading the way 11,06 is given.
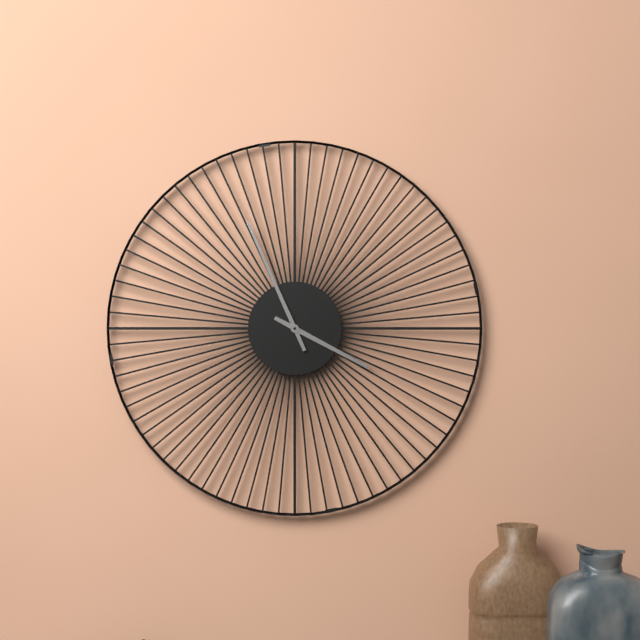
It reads 3,56
